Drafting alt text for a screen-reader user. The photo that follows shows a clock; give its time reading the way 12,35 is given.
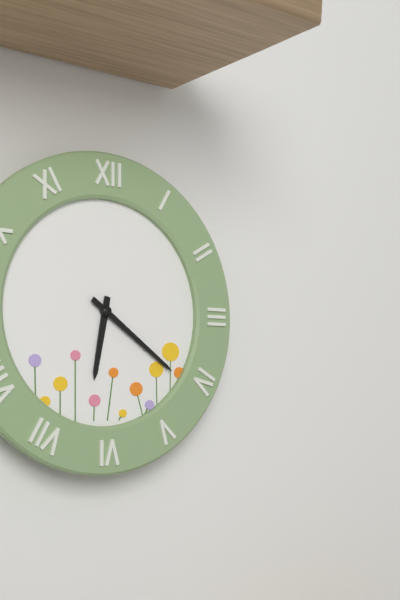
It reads 6,21
